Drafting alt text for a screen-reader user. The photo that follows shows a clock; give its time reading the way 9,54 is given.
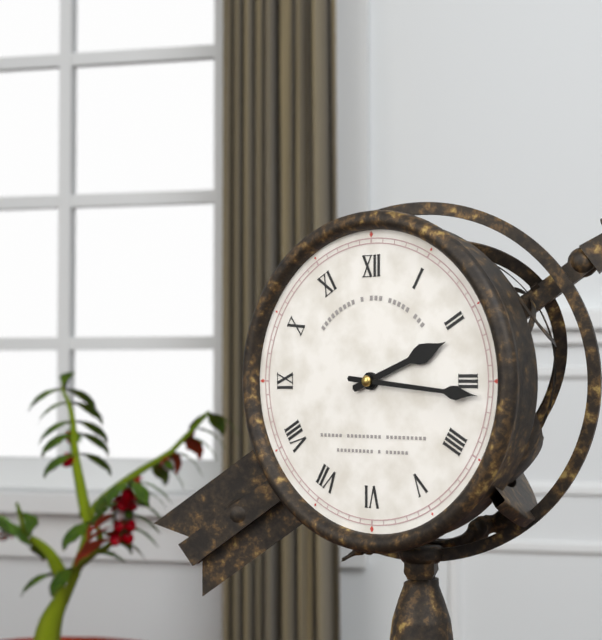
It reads 2,16
